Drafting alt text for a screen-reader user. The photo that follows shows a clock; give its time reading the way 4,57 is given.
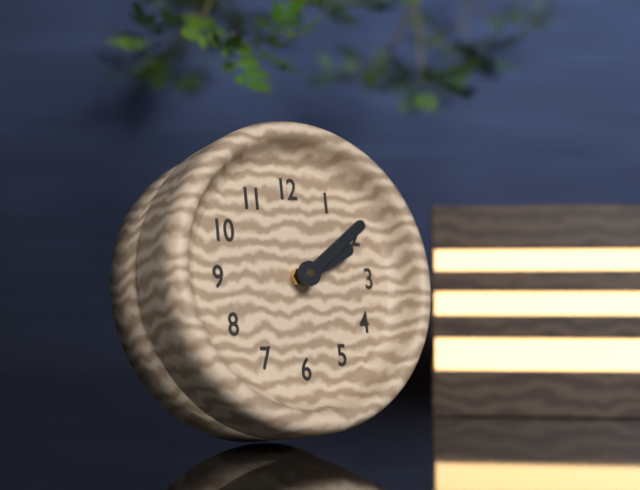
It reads 2,09
